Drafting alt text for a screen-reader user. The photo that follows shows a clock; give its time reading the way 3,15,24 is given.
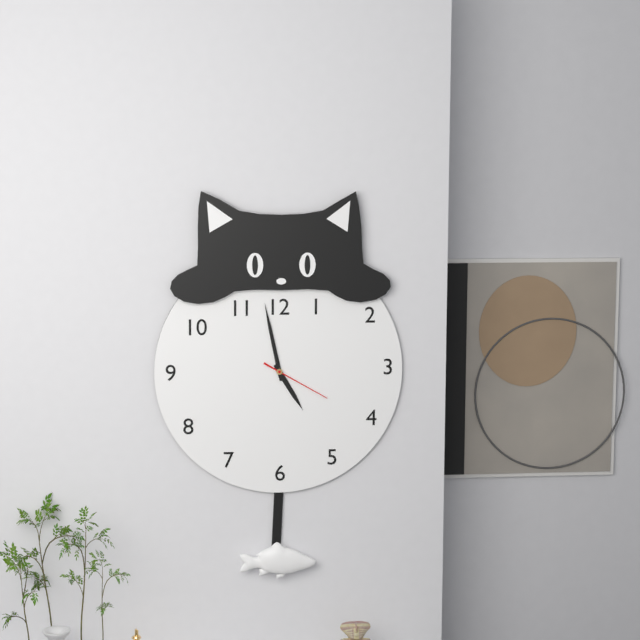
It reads 4,58,20
